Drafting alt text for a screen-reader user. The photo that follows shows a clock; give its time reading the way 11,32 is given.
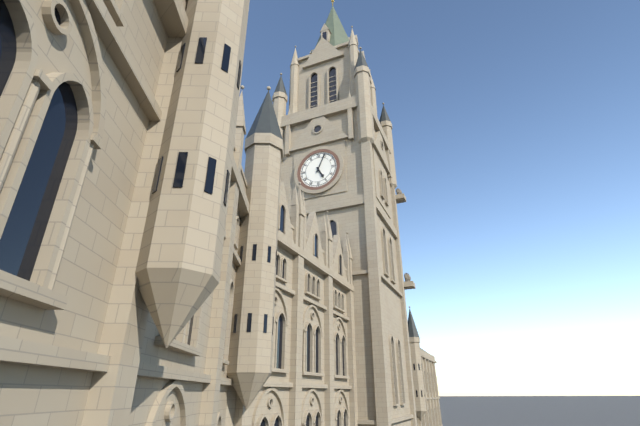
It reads 5,04
